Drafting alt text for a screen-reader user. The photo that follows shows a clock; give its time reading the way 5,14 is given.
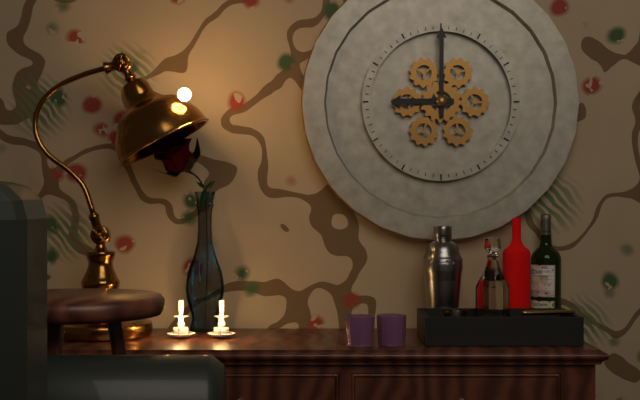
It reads 9,00
